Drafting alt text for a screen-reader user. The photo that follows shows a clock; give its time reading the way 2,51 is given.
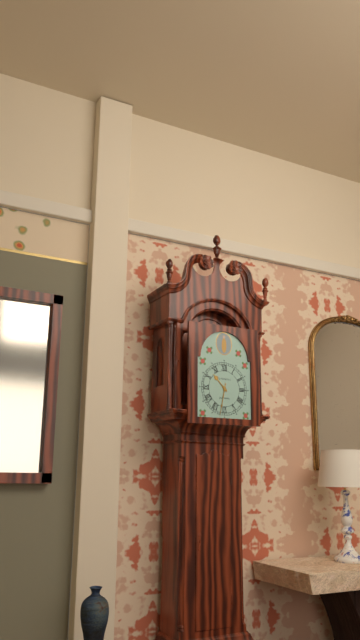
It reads 10,32
